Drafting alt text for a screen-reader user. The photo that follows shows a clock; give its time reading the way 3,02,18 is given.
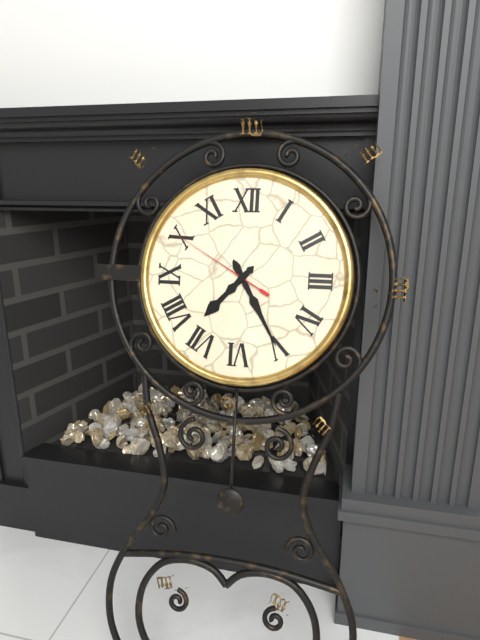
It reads 7,25,50
